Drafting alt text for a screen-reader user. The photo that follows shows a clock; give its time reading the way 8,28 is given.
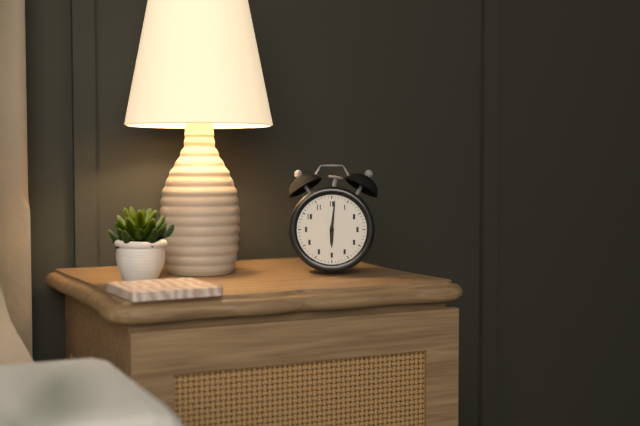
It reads 6,01
